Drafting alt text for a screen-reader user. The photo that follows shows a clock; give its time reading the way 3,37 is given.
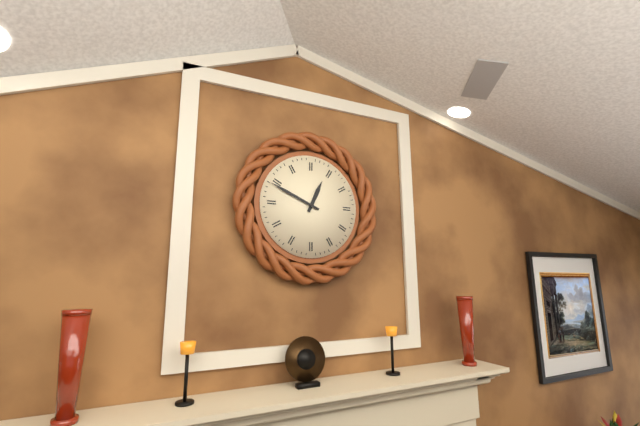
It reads 12,49
